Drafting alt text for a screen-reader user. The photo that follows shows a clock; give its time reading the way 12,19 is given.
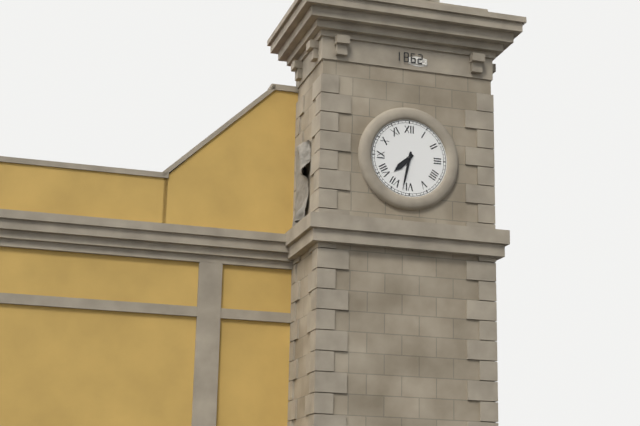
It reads 7,32
